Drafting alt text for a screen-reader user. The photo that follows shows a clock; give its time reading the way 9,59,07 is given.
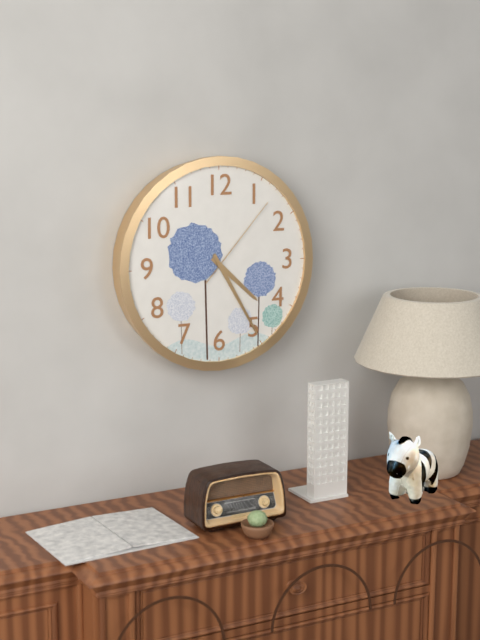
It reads 4,25,07
